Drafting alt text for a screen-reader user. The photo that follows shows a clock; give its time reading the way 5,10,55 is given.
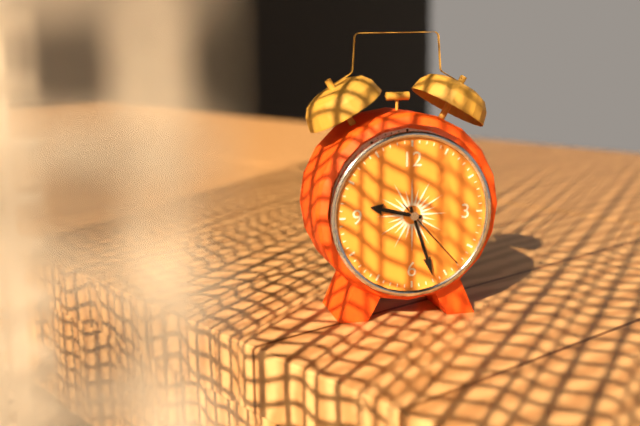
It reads 9,27,23
